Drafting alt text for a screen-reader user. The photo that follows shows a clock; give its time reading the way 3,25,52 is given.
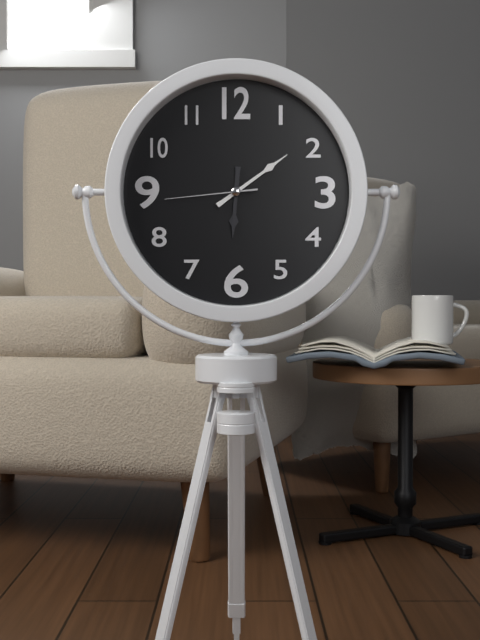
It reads 6,09,44
